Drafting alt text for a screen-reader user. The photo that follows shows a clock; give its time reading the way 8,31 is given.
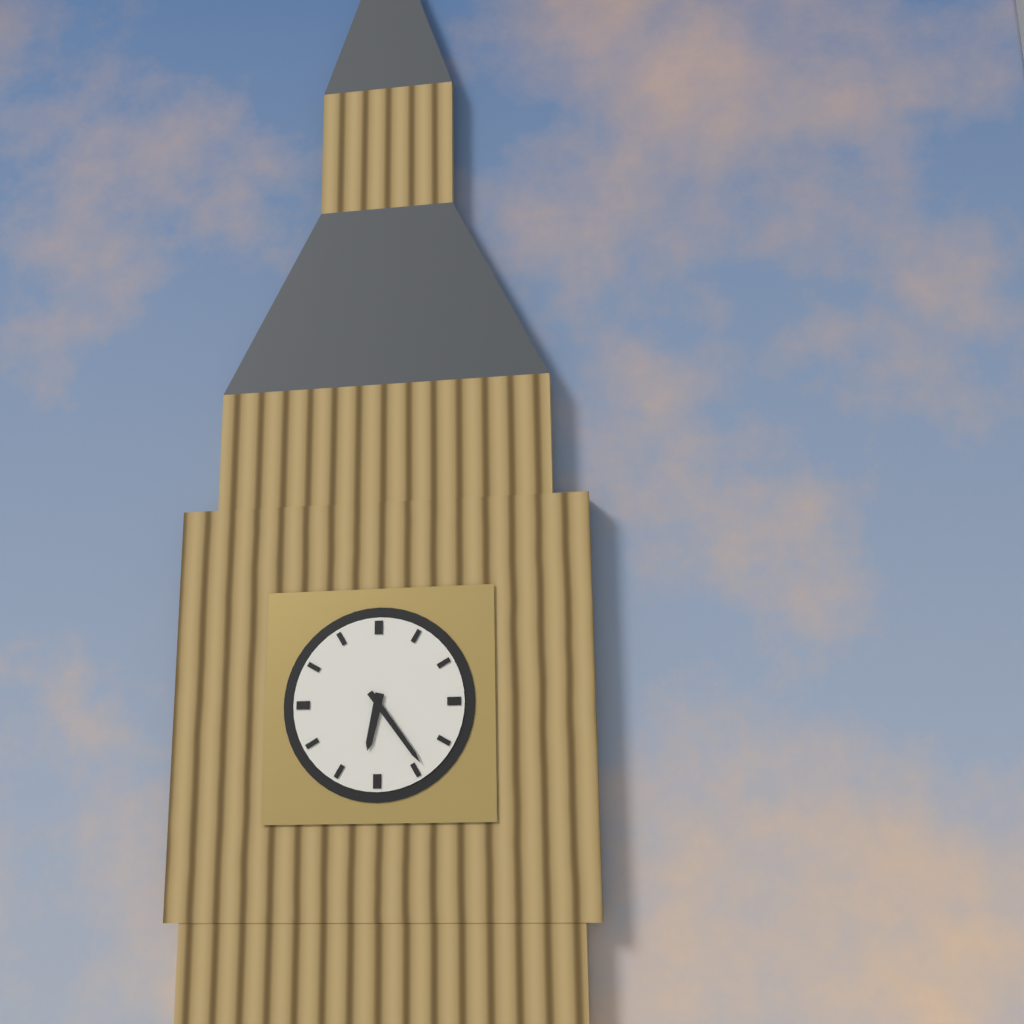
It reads 6,24
